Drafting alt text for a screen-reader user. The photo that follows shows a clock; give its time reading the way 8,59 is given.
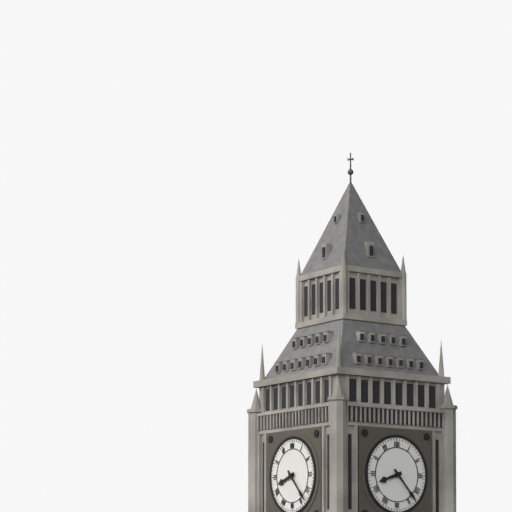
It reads 8,23
